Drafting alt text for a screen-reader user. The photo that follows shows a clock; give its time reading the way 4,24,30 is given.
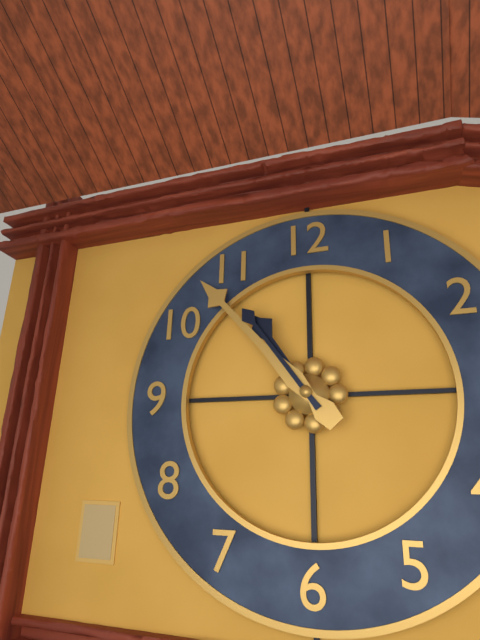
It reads 10,53,54
